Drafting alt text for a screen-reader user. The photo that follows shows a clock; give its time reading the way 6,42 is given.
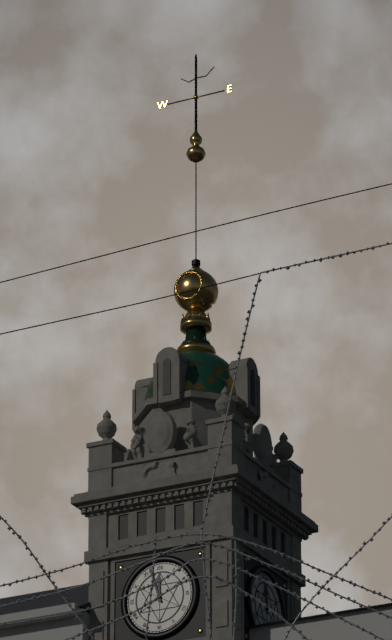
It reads 11,57
